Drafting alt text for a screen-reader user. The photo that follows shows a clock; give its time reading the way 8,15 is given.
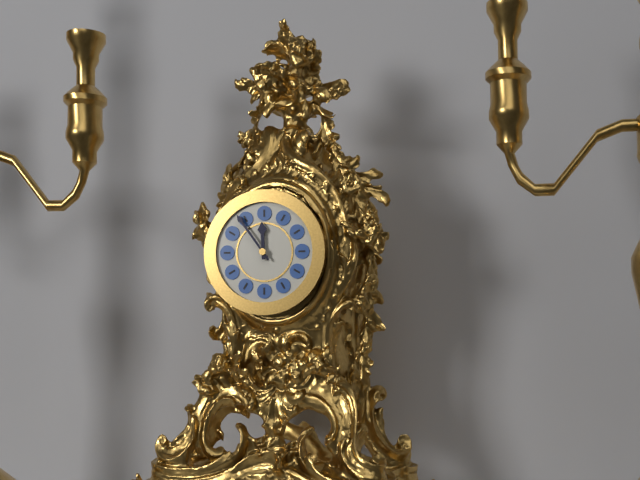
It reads 11,54
